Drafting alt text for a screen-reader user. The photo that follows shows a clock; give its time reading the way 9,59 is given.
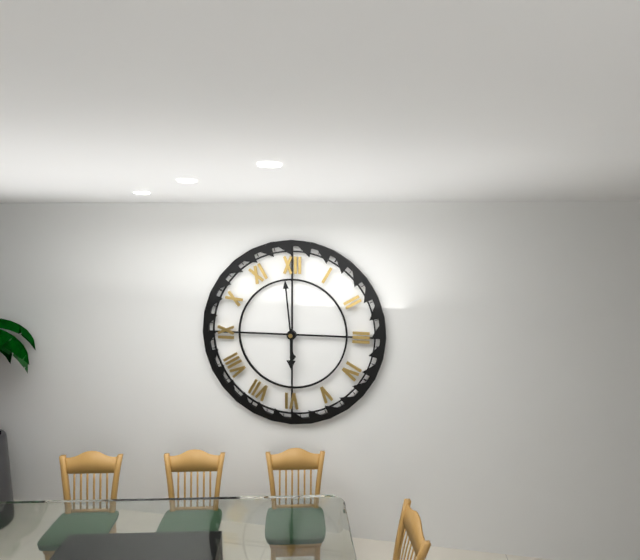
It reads 5,59
